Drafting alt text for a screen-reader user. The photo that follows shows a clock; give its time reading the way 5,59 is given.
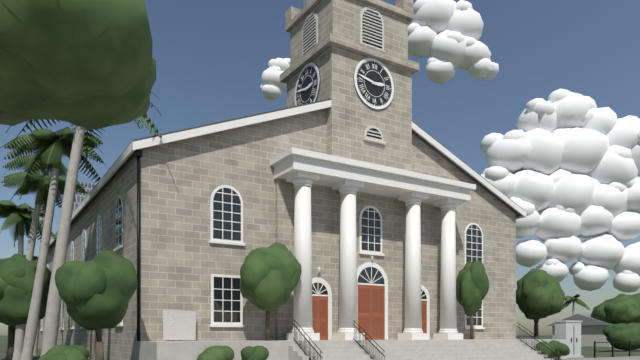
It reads 2,47
